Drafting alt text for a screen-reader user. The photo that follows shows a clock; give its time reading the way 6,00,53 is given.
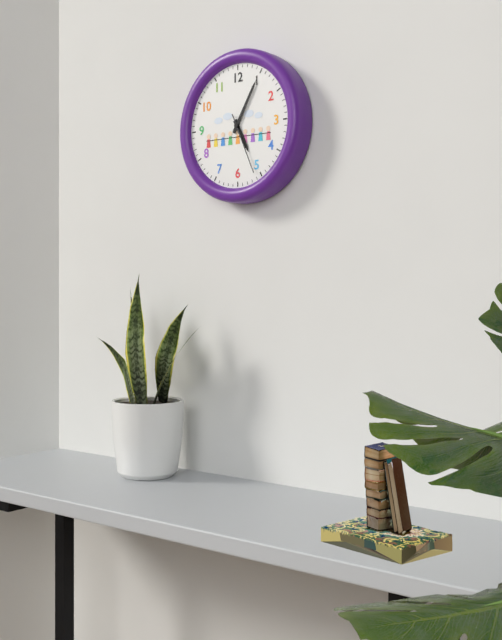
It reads 5,05,26
